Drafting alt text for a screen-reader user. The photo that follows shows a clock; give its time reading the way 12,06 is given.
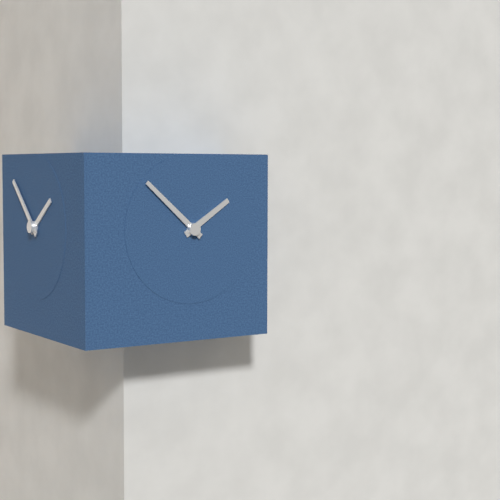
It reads 1,52
